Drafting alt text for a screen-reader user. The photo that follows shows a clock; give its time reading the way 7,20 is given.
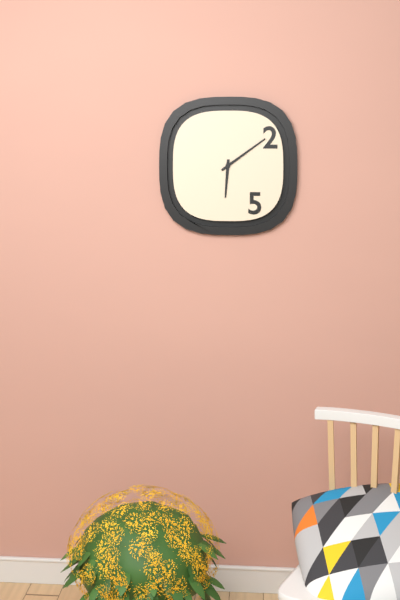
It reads 6,09
